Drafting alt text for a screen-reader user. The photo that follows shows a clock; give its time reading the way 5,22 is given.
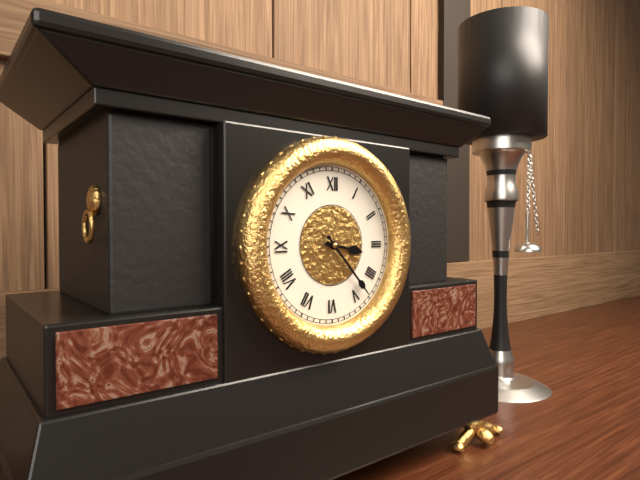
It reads 3,23
